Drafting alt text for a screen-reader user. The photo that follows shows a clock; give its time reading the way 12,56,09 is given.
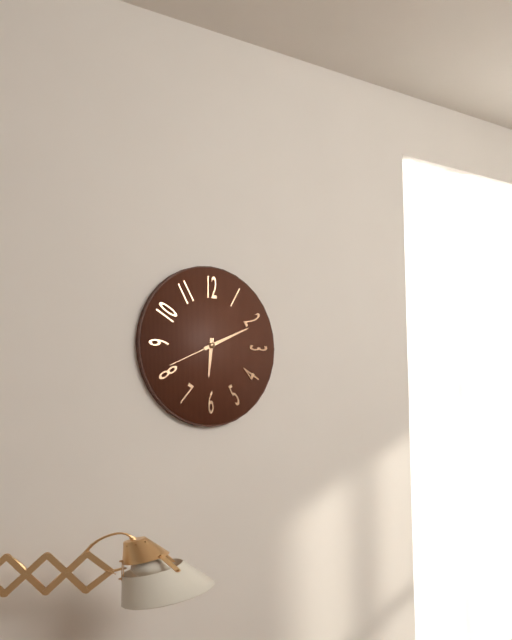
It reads 6,11,41
